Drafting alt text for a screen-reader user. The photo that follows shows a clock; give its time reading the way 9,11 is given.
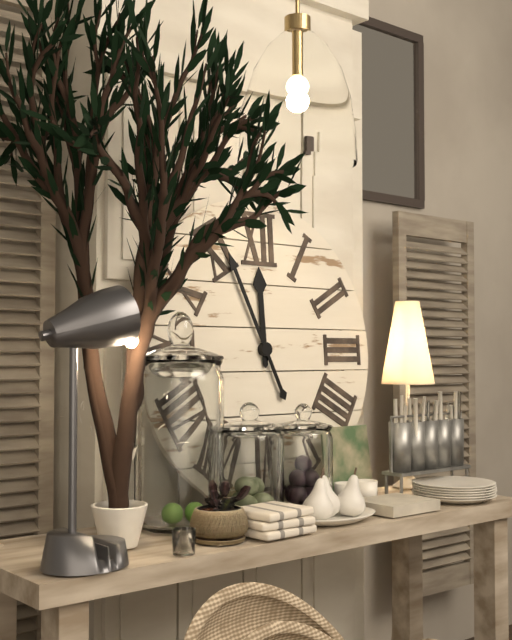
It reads 11,56
